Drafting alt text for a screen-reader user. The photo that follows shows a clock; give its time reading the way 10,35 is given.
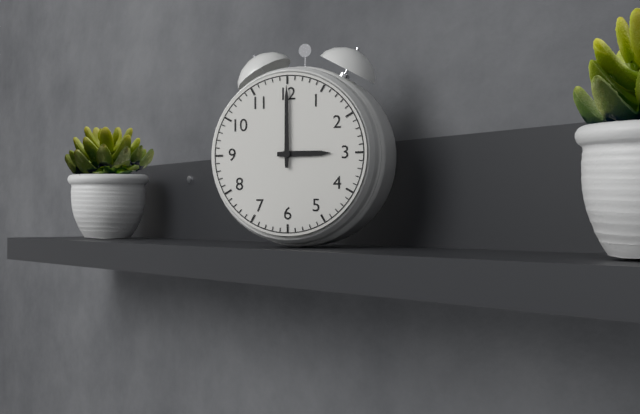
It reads 3,00
